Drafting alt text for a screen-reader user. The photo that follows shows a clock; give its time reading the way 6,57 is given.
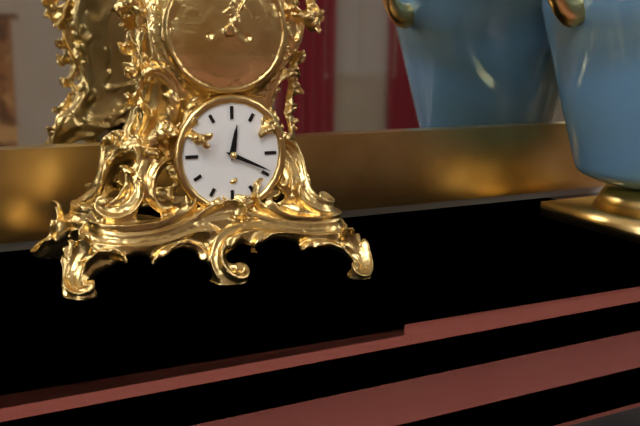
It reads 12,19
